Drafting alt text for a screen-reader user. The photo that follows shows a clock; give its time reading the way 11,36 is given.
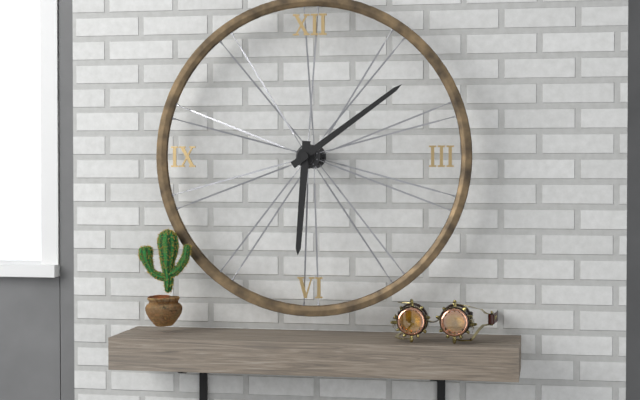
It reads 6,09
